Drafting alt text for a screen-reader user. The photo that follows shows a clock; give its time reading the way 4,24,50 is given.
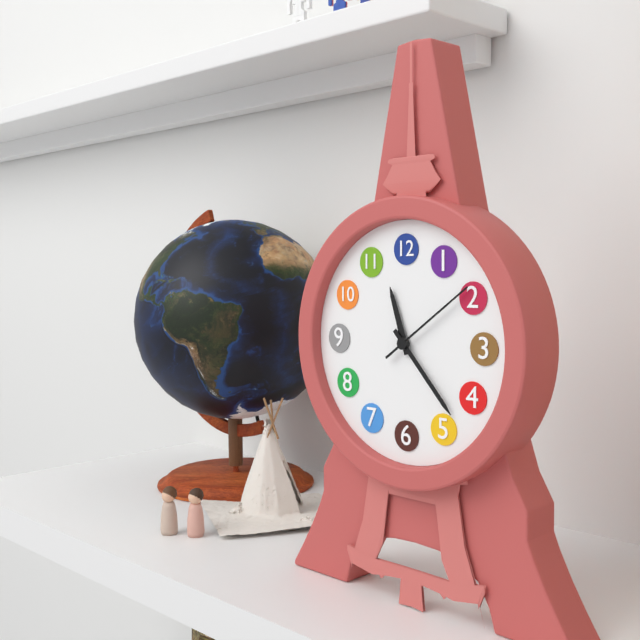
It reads 11,23,09
